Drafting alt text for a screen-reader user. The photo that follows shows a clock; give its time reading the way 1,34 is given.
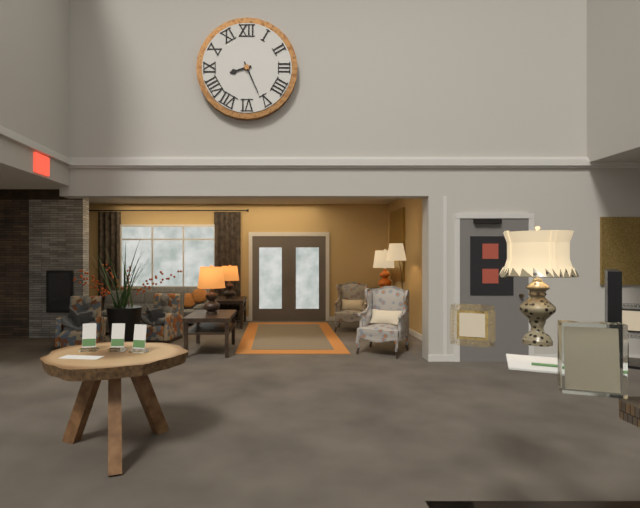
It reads 8,26
